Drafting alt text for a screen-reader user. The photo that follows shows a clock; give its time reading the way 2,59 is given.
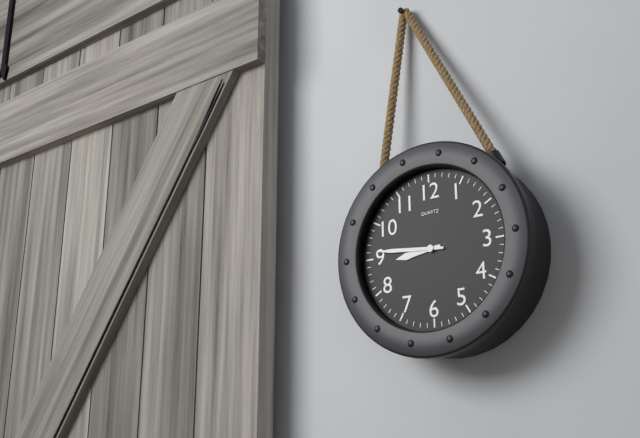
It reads 8,46
